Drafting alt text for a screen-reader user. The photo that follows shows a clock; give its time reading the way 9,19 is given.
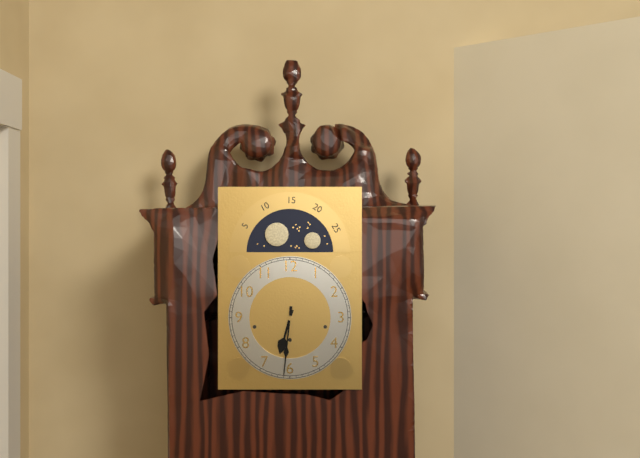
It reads 6,31
